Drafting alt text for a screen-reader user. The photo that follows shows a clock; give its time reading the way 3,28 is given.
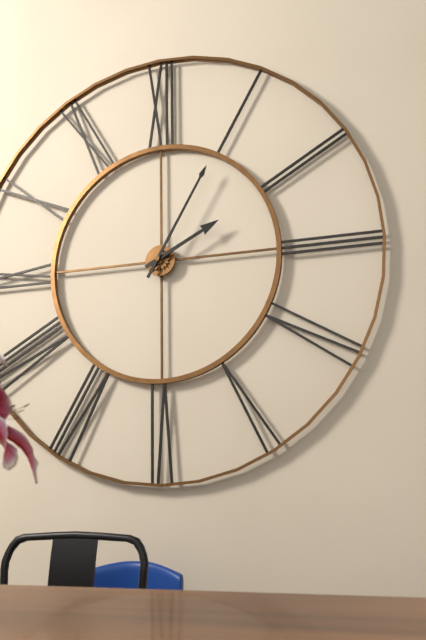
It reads 2,05
